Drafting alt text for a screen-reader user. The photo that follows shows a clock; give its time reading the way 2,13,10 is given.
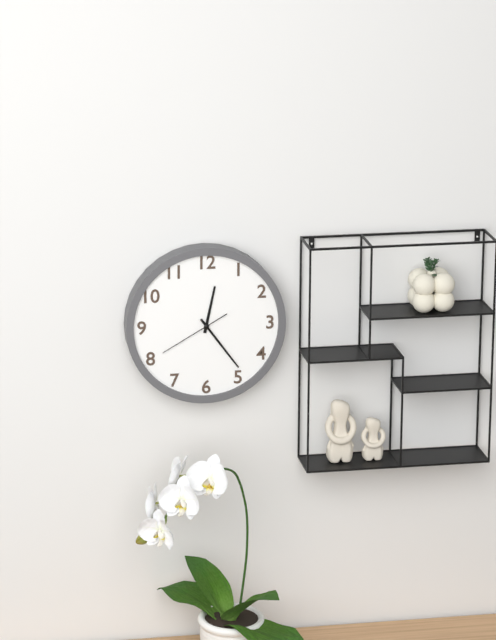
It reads 12,24,40
